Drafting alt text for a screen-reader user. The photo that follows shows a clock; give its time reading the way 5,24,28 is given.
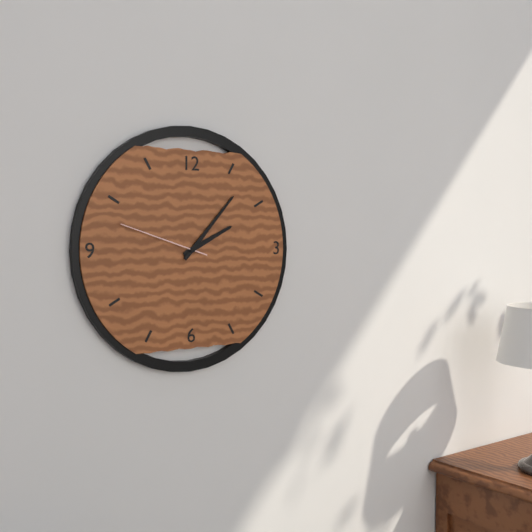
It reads 2,07,48
